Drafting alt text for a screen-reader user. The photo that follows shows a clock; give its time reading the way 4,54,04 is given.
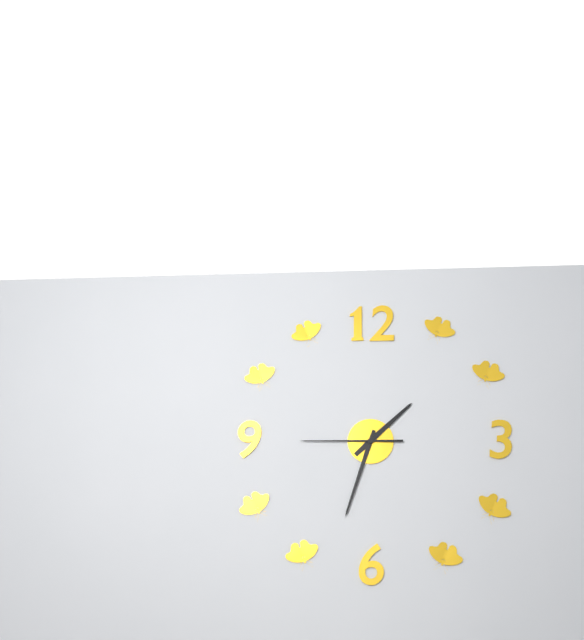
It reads 1,33,45
